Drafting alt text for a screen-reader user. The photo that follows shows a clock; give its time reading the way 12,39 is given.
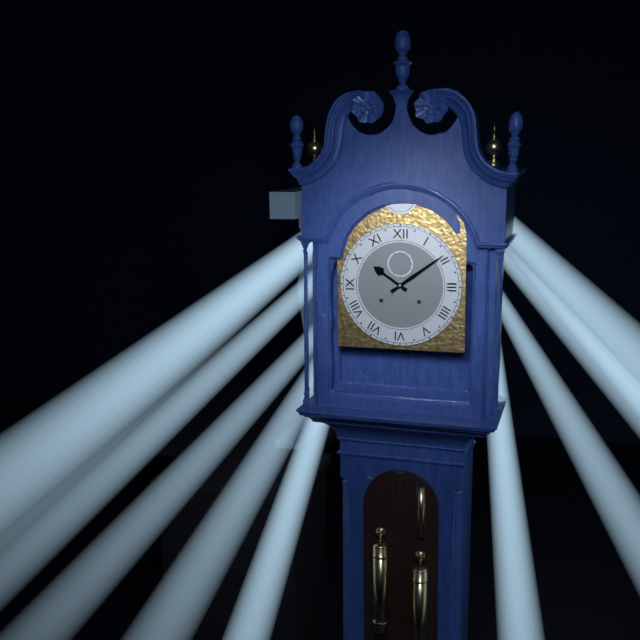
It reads 10,09
